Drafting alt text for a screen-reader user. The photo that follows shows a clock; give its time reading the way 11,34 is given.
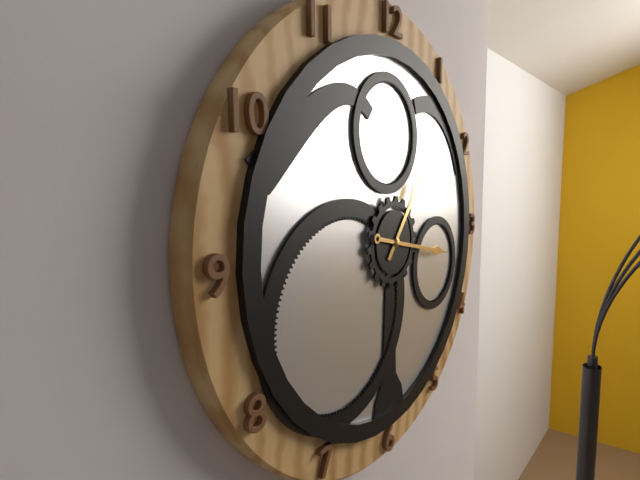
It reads 1,17
